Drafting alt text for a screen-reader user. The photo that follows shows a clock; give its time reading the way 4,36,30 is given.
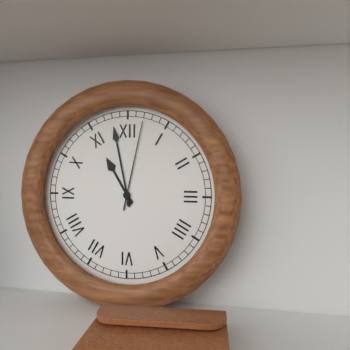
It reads 10,58,02
